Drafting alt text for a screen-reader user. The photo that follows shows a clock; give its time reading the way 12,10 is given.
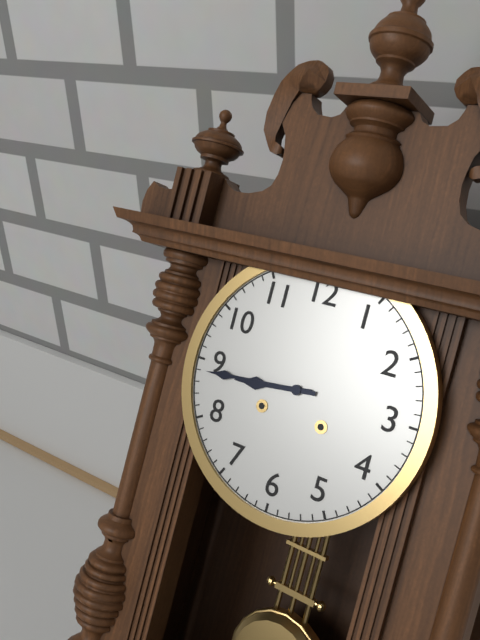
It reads 8,44
